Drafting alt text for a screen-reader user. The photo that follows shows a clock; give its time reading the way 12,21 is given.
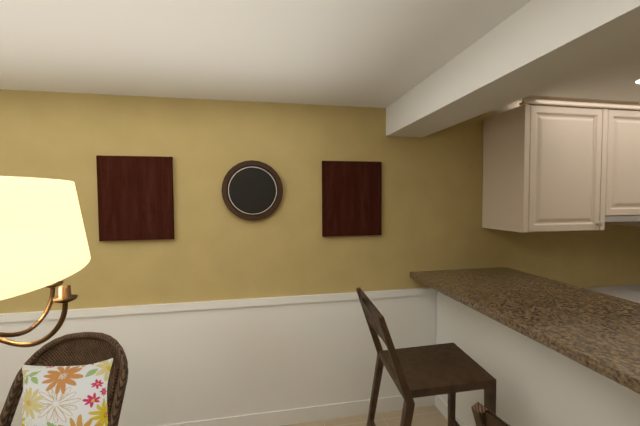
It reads 5,57
